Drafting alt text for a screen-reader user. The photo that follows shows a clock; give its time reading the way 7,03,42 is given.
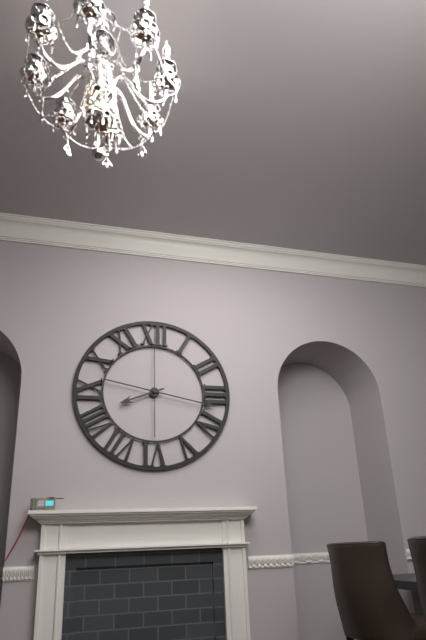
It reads 8,17,00
